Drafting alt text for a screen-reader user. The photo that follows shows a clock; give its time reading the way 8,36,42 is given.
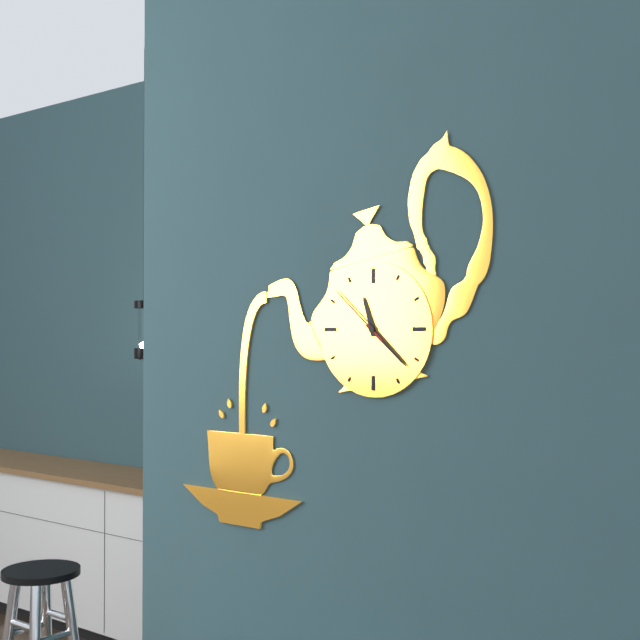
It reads 11,22,52
